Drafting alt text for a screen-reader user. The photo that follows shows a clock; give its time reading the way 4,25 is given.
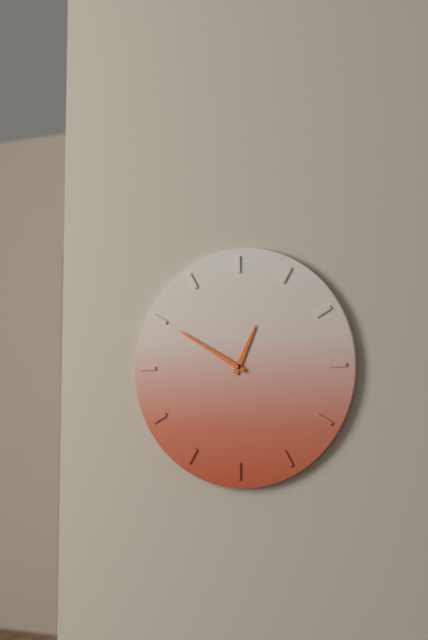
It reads 12,50
